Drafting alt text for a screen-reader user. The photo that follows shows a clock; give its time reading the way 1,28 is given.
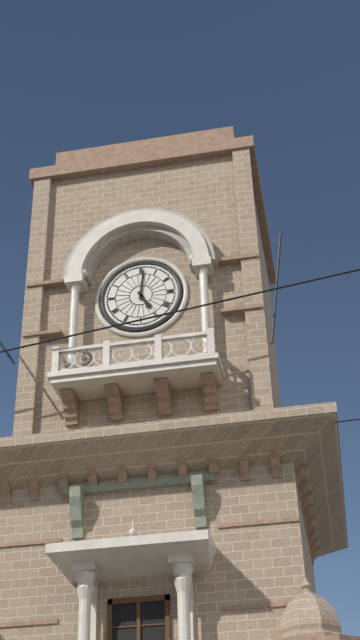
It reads 5,01
